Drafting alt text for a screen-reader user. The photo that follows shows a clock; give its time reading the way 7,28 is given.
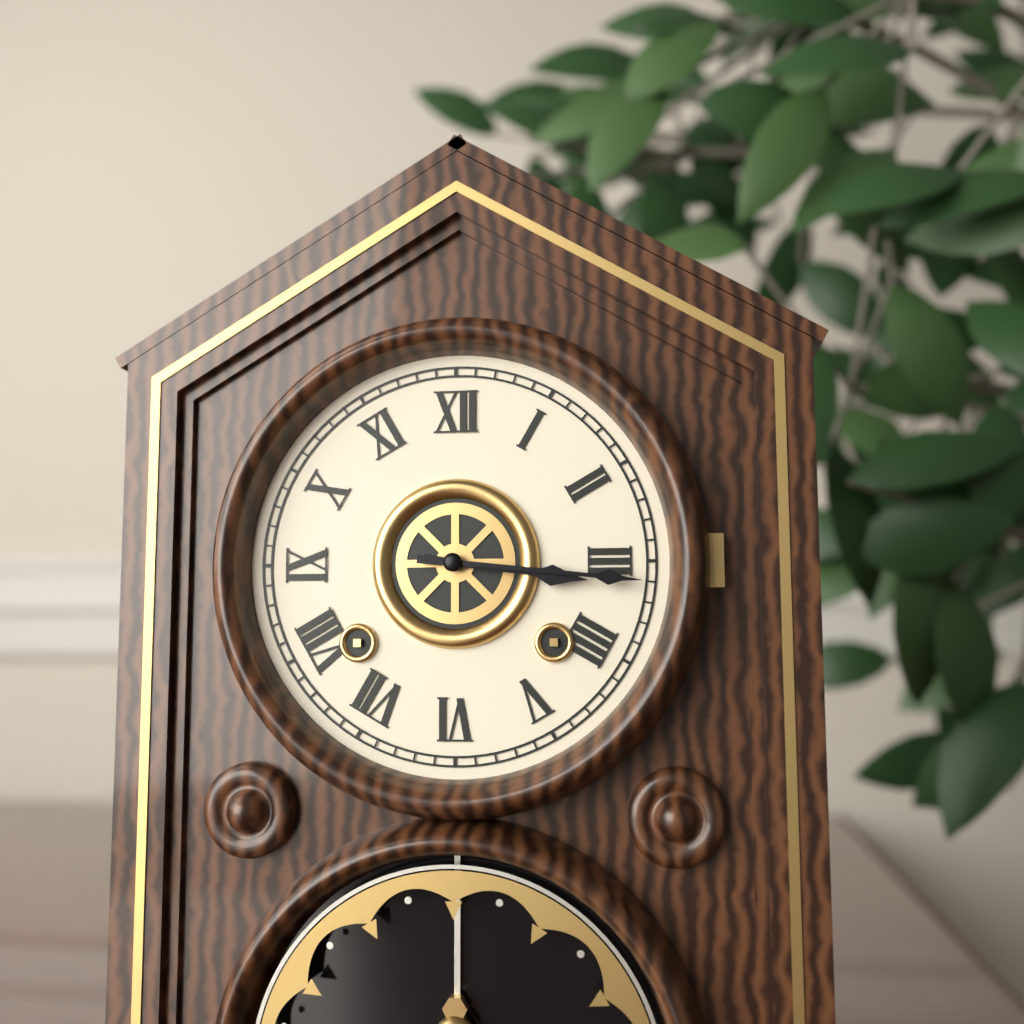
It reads 3,16
